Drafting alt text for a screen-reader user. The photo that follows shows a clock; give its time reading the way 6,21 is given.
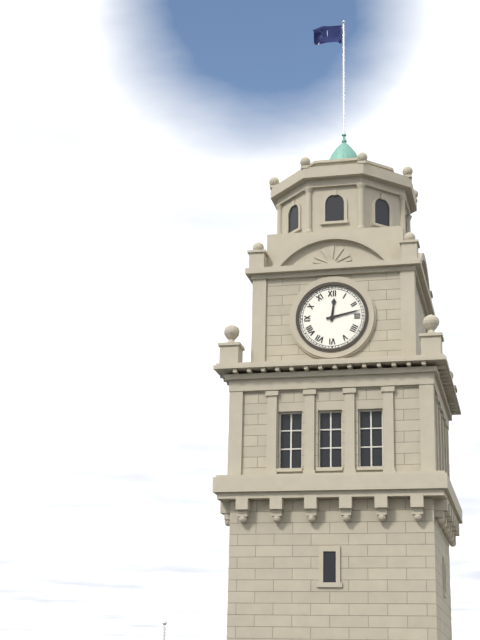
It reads 12,13
